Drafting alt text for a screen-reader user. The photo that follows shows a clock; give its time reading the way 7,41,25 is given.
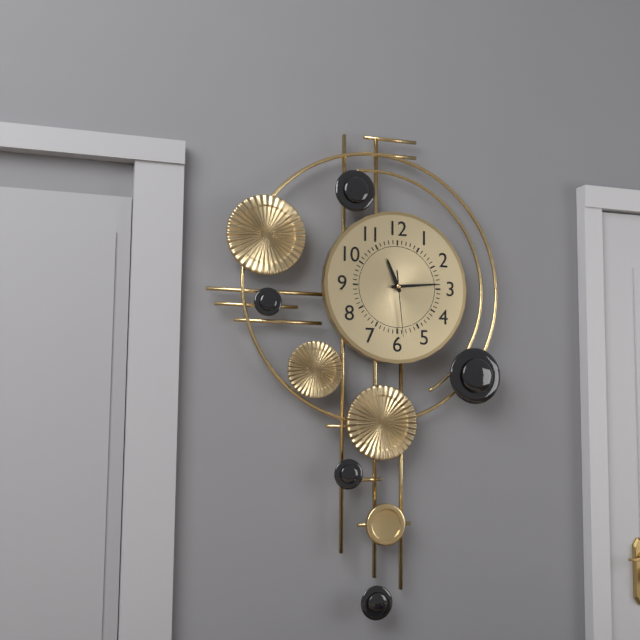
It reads 11,14,29
